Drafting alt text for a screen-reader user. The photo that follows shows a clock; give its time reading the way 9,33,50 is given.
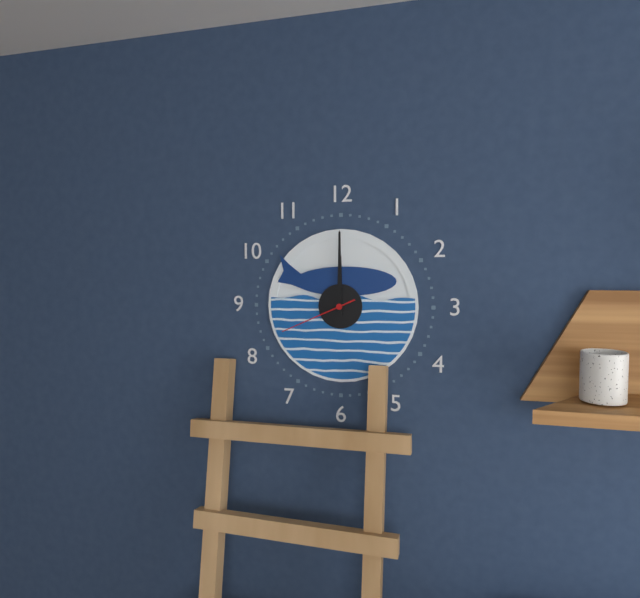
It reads 12,00,41
